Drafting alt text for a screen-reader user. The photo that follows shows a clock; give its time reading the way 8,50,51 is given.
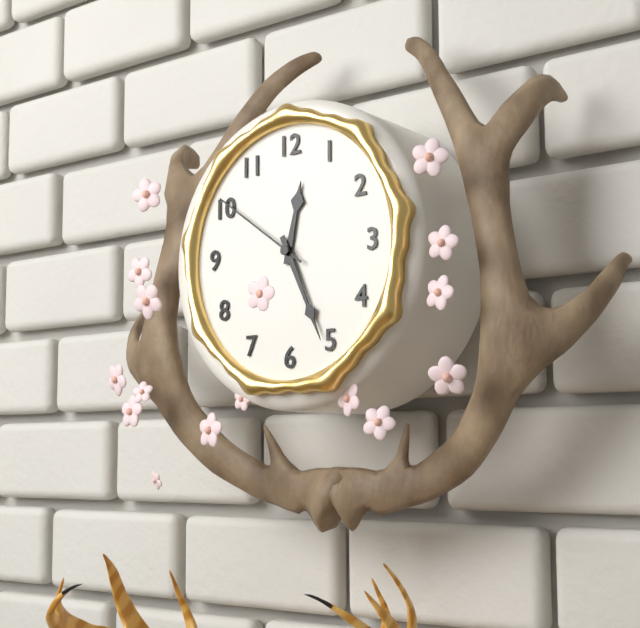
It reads 12,26,51
